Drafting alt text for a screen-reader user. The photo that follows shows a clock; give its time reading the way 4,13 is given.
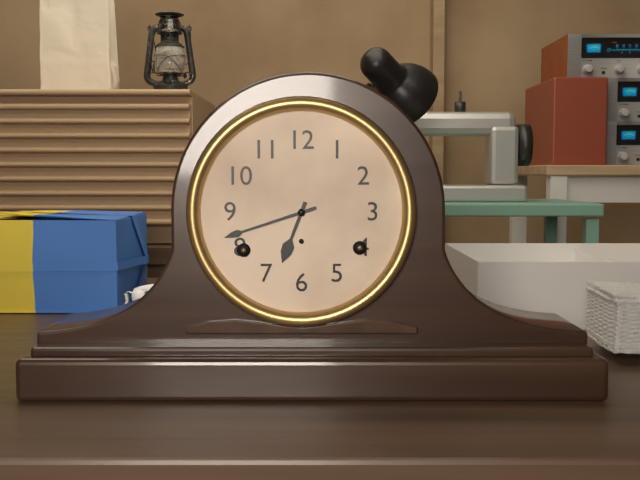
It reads 6,42
